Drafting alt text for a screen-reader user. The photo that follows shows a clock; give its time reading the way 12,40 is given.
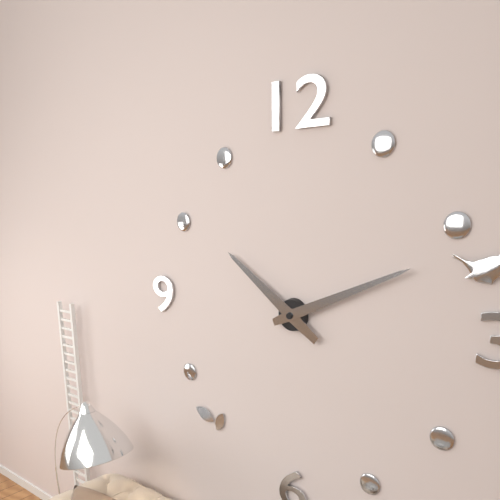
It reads 10,11
